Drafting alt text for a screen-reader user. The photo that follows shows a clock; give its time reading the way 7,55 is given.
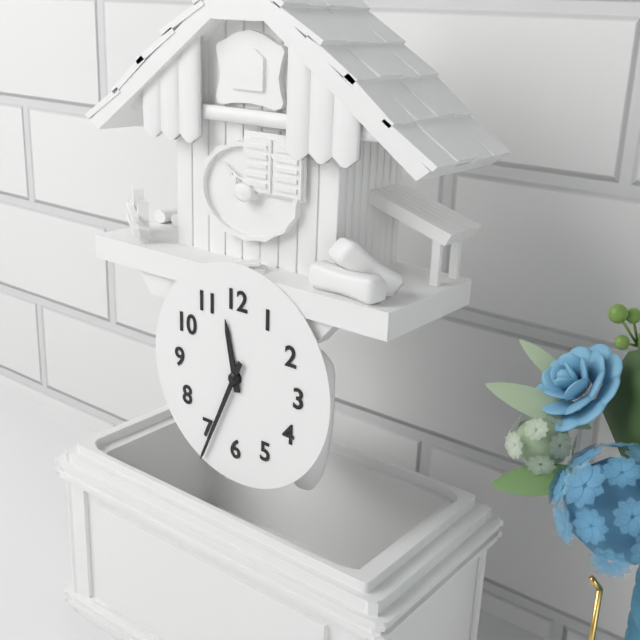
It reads 11,34
